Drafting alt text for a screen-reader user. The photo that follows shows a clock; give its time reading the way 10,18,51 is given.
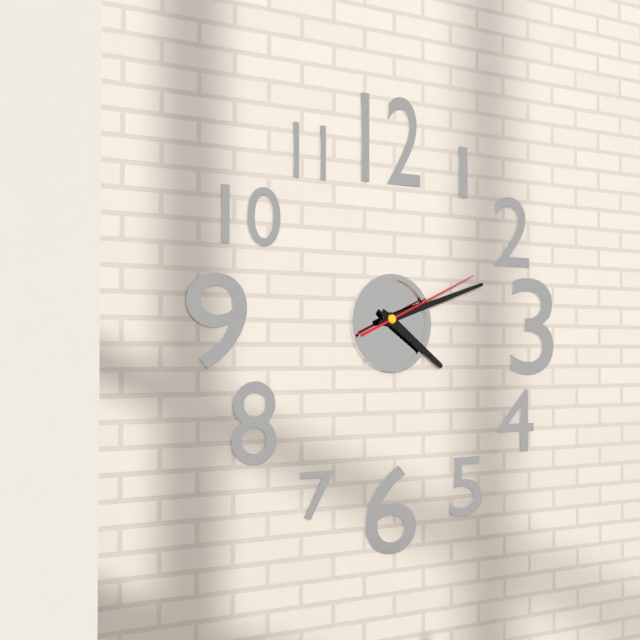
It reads 4,12,11
